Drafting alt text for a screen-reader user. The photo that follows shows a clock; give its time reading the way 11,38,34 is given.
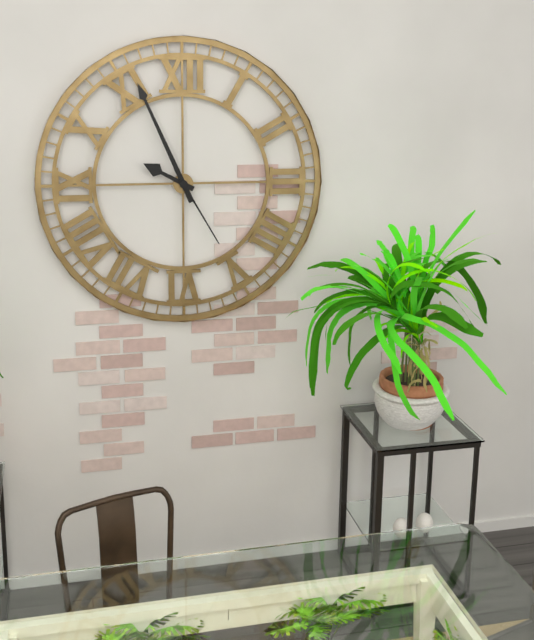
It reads 9,56,25
